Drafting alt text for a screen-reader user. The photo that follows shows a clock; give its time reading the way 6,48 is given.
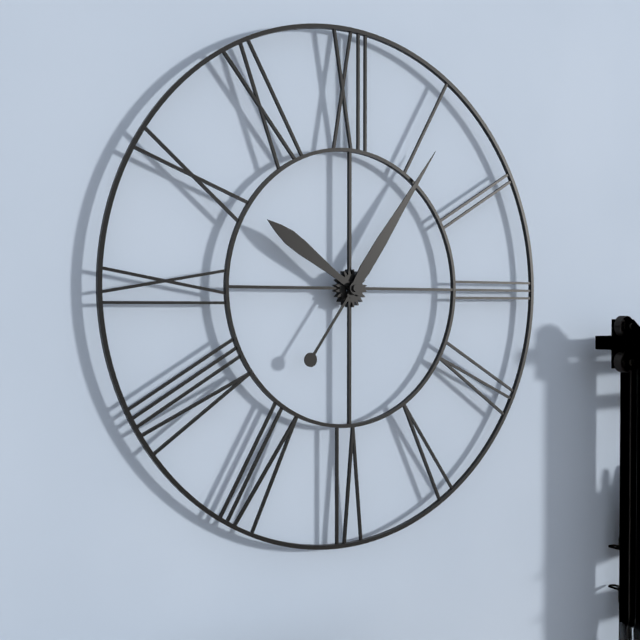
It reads 10,06
